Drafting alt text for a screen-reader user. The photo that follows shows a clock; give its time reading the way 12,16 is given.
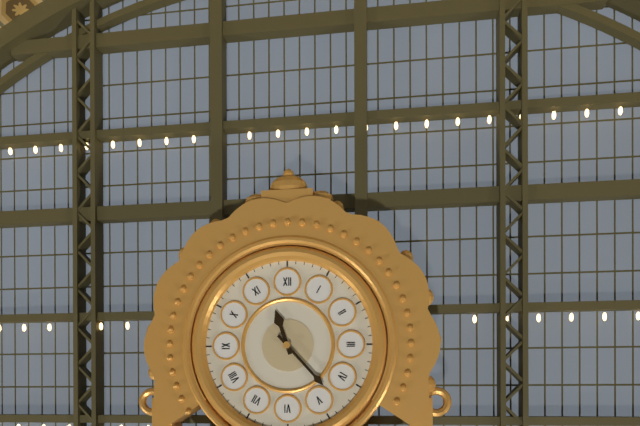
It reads 11,23
